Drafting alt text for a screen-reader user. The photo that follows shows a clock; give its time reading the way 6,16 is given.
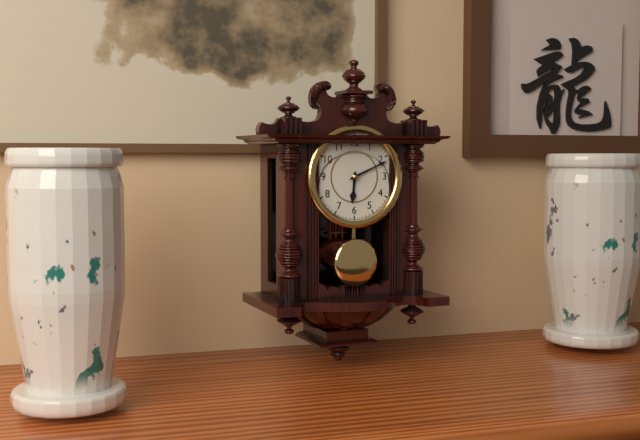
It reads 6,11
